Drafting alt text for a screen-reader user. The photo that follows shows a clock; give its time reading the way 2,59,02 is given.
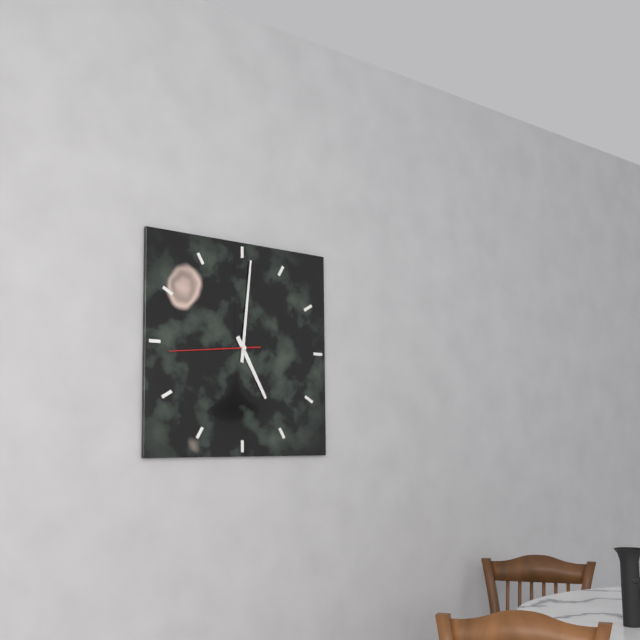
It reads 5,01,44
